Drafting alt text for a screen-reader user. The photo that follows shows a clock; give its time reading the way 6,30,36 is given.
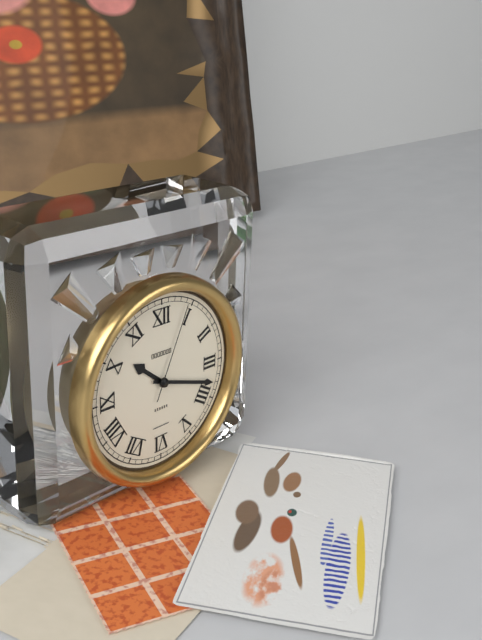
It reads 10,18,04
